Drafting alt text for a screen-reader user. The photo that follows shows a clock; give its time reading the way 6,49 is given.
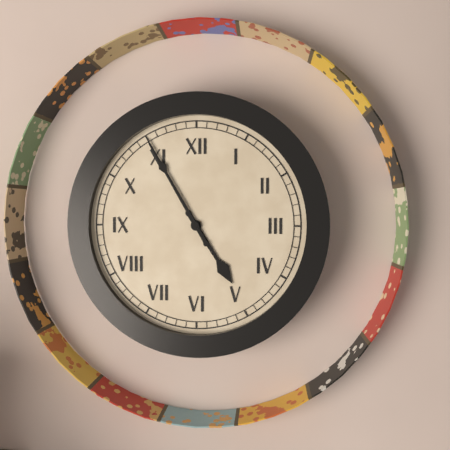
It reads 4,55
